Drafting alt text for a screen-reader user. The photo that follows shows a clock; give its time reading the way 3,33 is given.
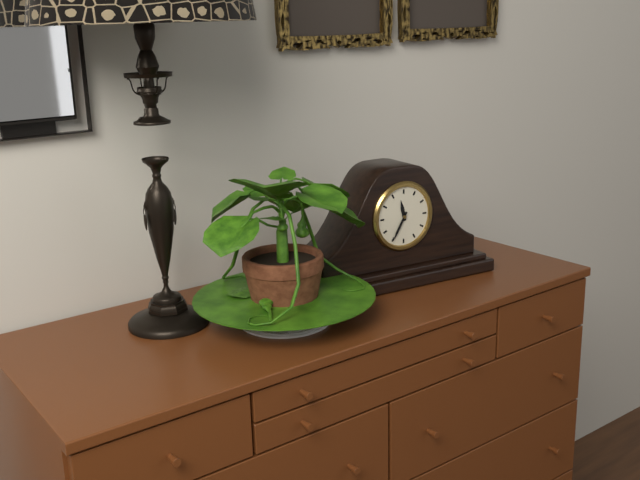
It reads 11,35
